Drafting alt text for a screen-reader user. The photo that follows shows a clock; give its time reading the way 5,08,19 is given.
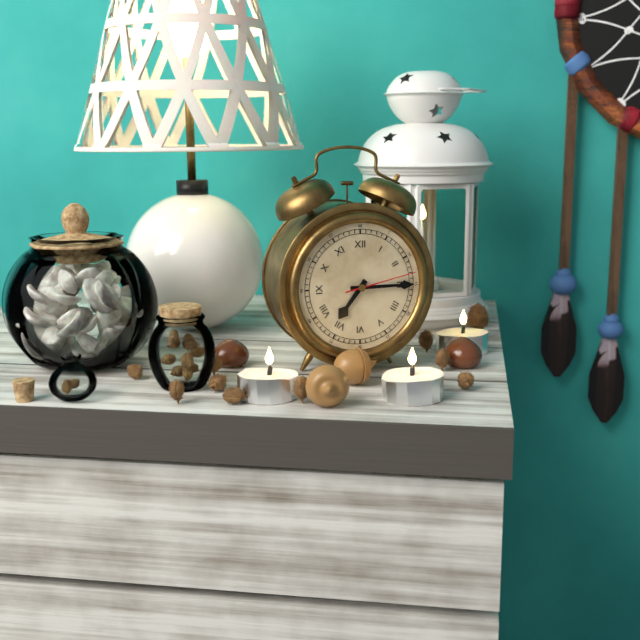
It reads 7,15,13
